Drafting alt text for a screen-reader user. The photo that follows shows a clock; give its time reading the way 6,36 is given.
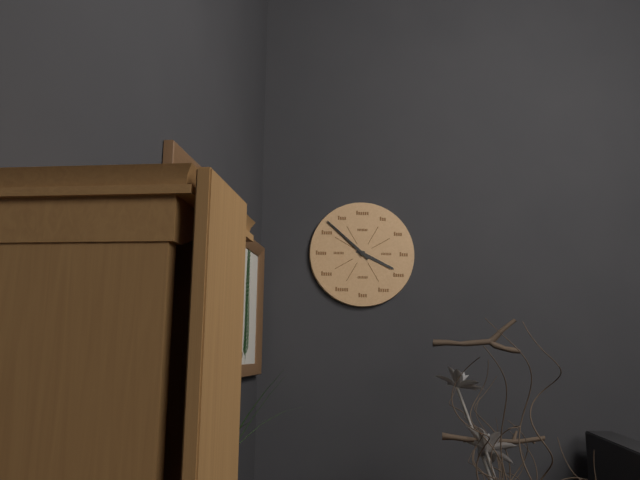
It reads 3,52
